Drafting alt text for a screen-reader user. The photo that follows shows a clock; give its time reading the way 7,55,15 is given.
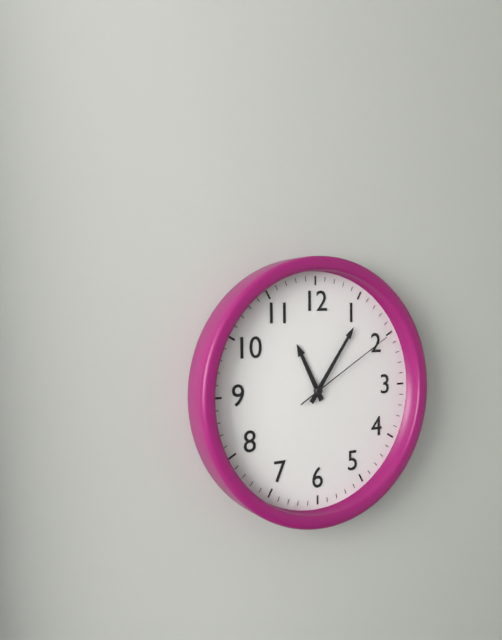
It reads 11,06,10
